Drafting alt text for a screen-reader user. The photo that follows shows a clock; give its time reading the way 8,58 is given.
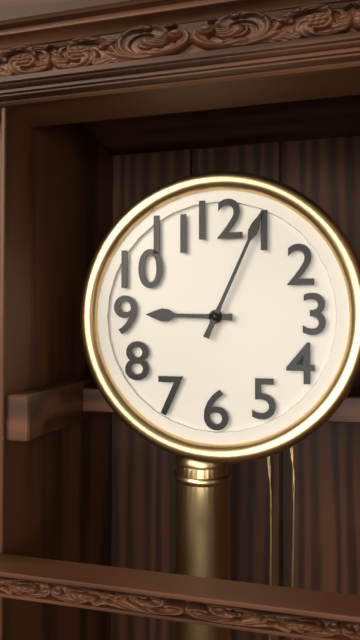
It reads 9,04
